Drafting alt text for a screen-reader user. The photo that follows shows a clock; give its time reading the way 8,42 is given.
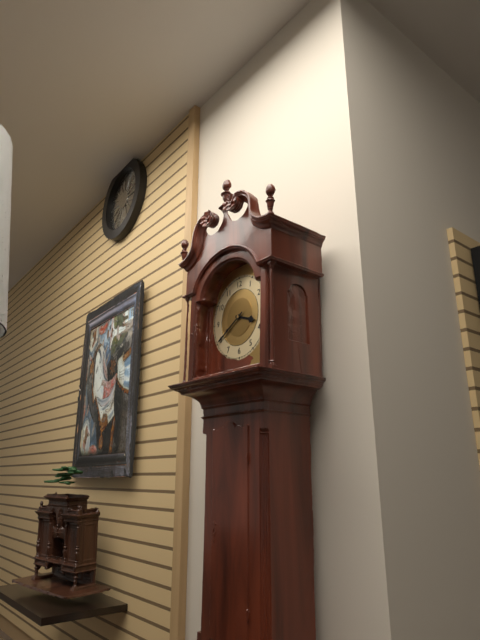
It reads 3,40
